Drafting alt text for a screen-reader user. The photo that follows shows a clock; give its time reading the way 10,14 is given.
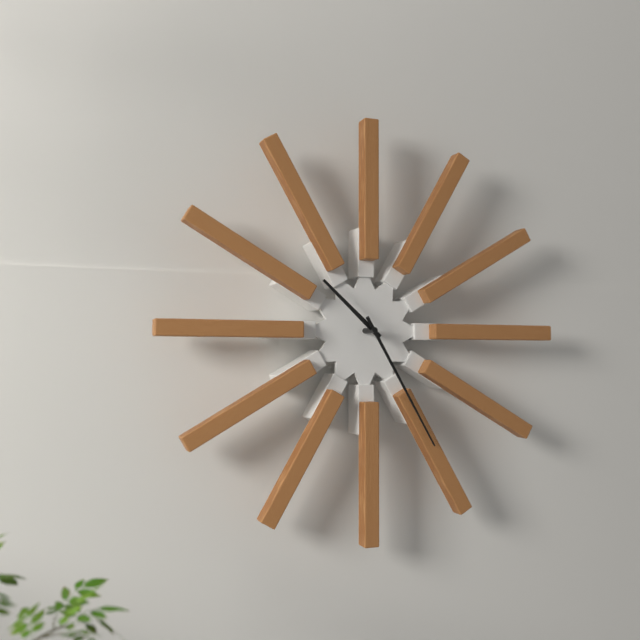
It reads 10,25
